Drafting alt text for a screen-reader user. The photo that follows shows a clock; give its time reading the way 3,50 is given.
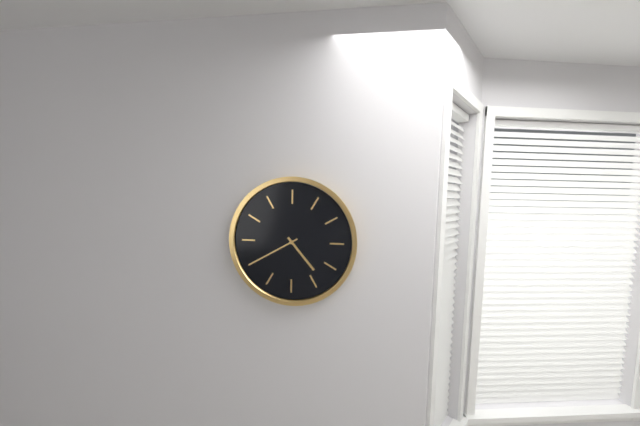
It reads 4,40
